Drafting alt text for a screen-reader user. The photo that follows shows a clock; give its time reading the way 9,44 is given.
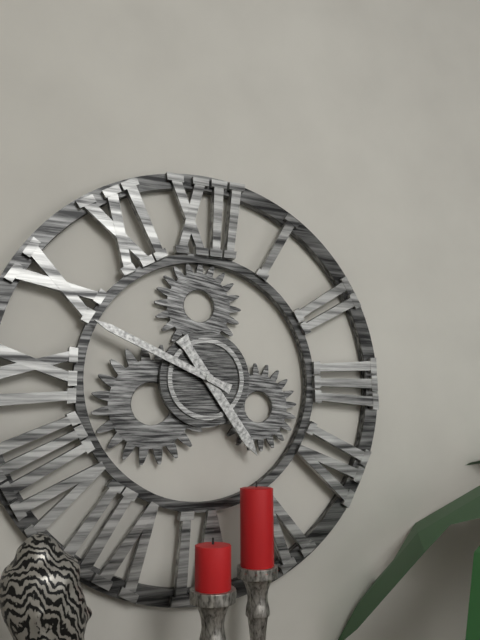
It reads 4,49
